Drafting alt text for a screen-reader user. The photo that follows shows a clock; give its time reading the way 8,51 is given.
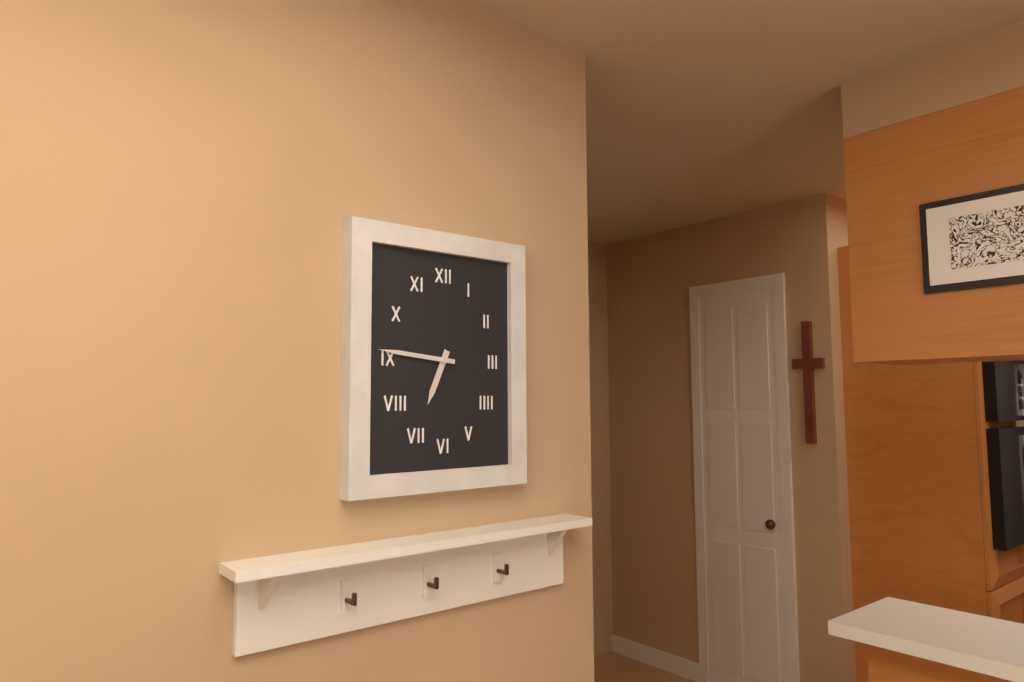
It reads 6,46
